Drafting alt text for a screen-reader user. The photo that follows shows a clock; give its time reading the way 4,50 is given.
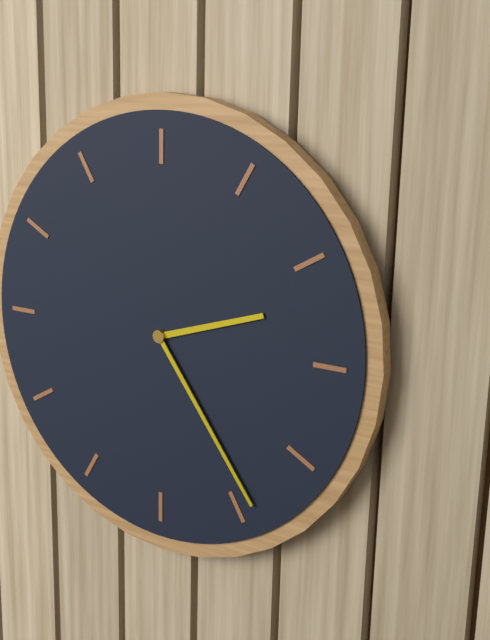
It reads 2,24
